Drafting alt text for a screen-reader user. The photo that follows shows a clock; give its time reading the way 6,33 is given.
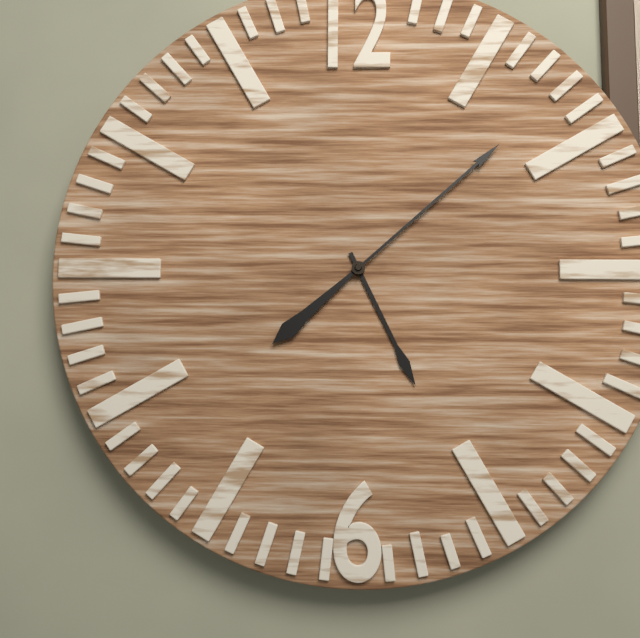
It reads 5,08
